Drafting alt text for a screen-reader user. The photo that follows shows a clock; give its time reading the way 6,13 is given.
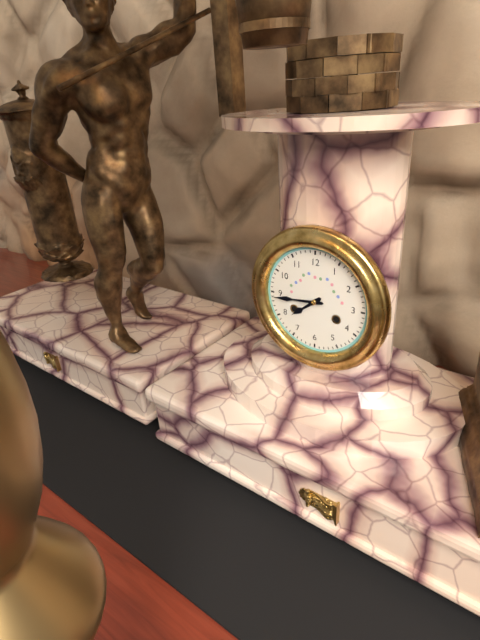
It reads 7,44
